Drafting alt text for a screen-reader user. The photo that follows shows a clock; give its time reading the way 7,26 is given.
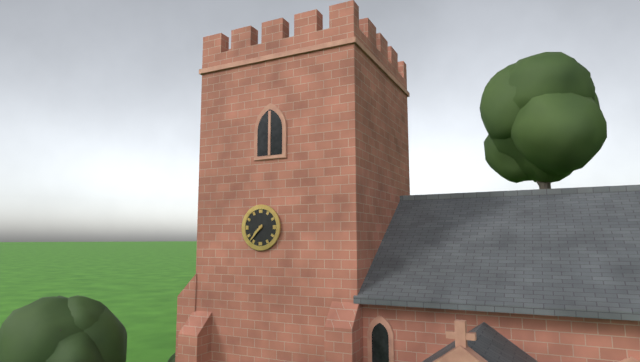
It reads 7,37
